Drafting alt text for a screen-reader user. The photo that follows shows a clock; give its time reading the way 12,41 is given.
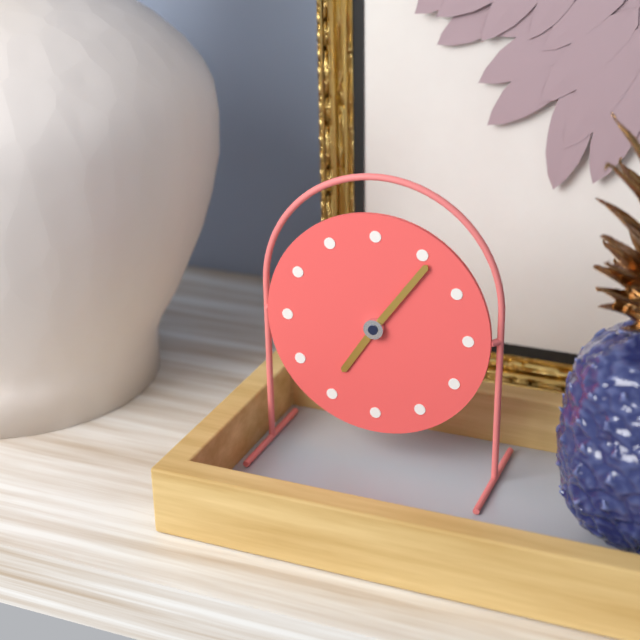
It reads 7,06
